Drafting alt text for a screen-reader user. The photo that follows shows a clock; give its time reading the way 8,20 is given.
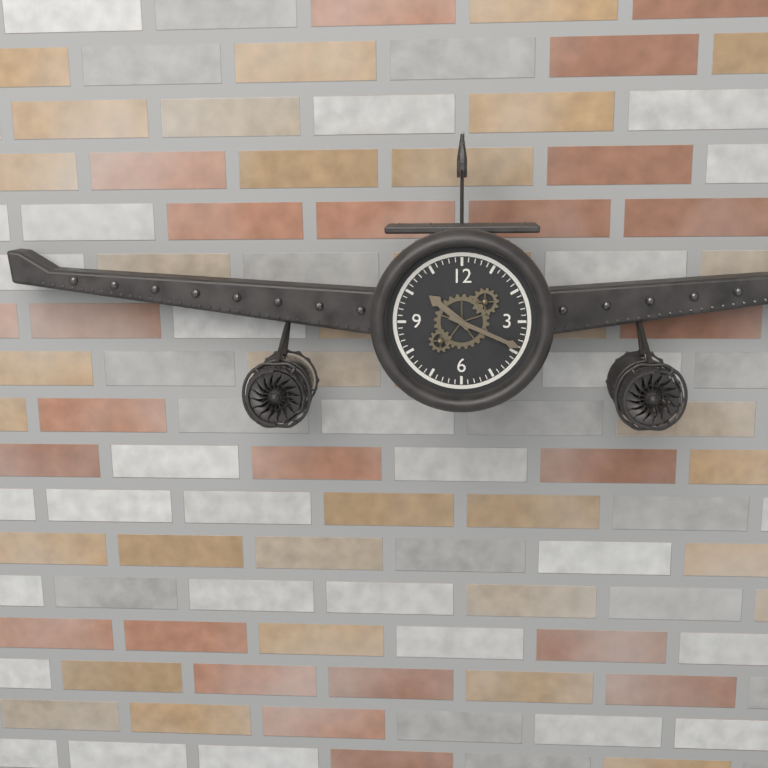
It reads 10,19
